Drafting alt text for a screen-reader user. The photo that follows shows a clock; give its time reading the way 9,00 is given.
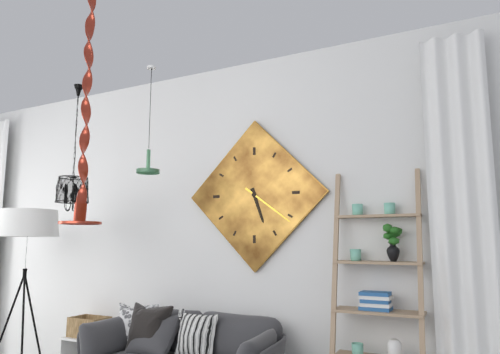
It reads 5,21
